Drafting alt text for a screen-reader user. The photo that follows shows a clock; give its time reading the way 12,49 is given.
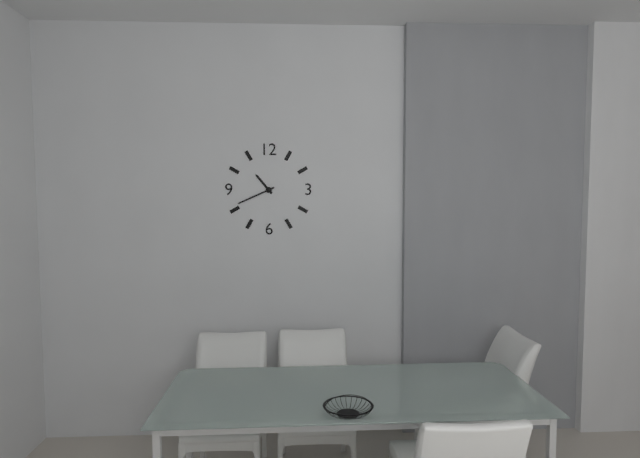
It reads 10,41
